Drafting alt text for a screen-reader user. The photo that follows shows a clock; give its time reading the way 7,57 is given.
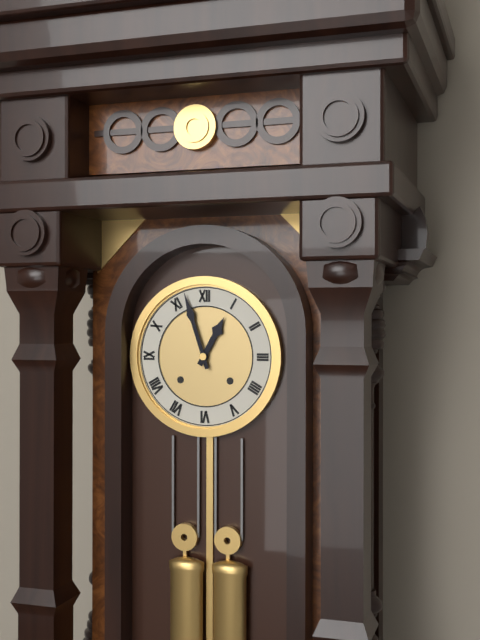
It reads 12,57
